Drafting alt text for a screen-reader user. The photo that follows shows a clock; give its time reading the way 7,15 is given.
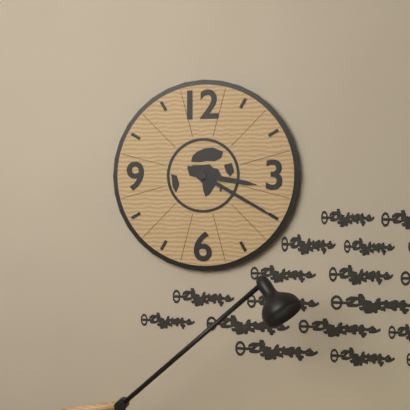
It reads 3,20
